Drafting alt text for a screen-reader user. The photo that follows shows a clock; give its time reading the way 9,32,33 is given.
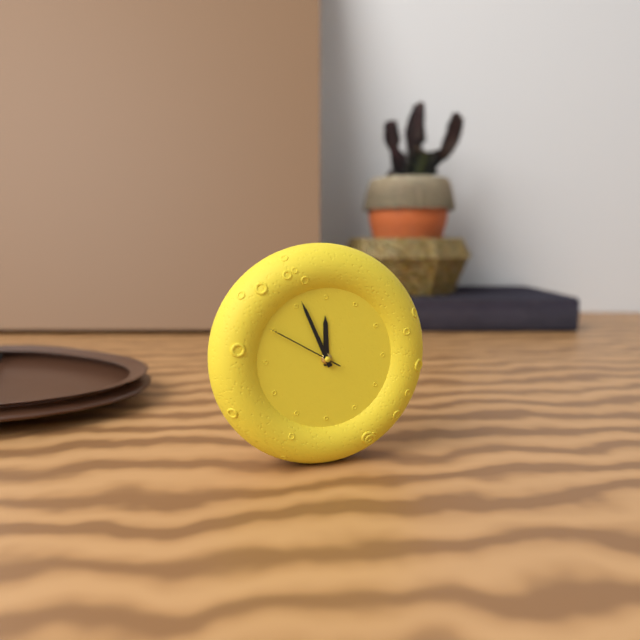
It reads 11,56,50
